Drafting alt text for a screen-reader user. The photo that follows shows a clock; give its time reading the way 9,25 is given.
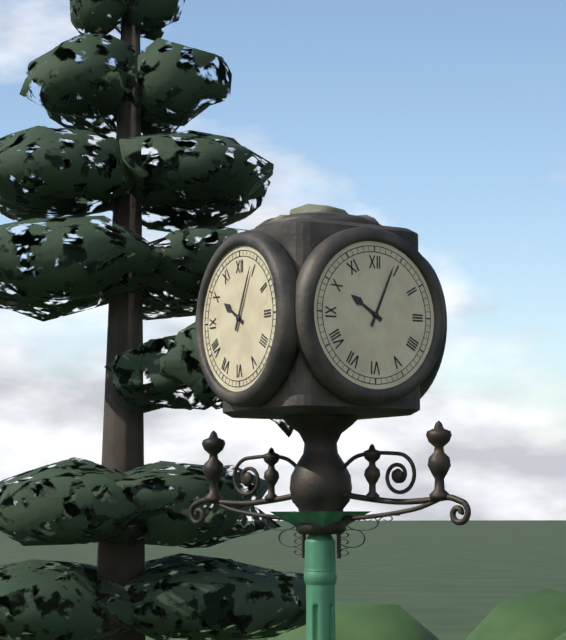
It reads 10,04
